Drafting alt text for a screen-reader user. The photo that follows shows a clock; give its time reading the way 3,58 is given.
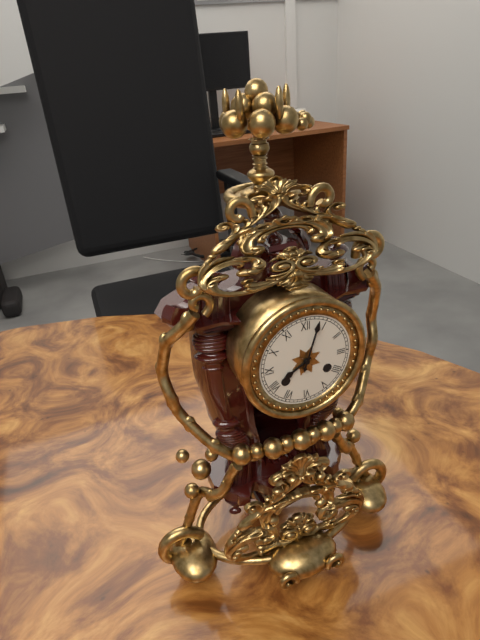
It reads 8,03
